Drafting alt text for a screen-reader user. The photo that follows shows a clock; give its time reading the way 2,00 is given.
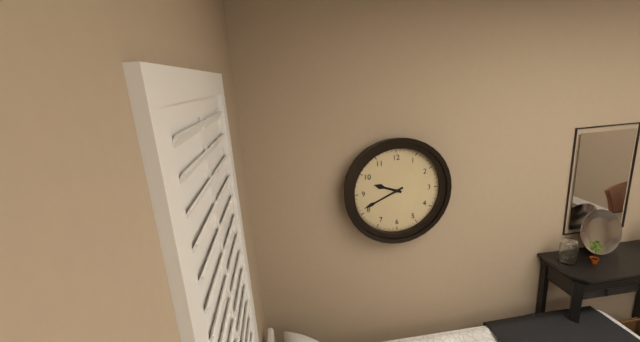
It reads 9,41
